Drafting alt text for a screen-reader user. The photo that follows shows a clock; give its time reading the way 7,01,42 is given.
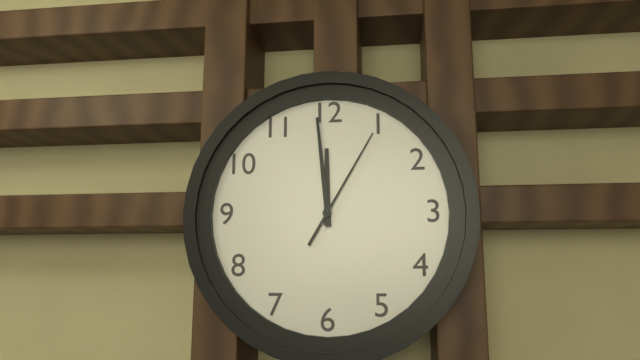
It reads 11,59,05
